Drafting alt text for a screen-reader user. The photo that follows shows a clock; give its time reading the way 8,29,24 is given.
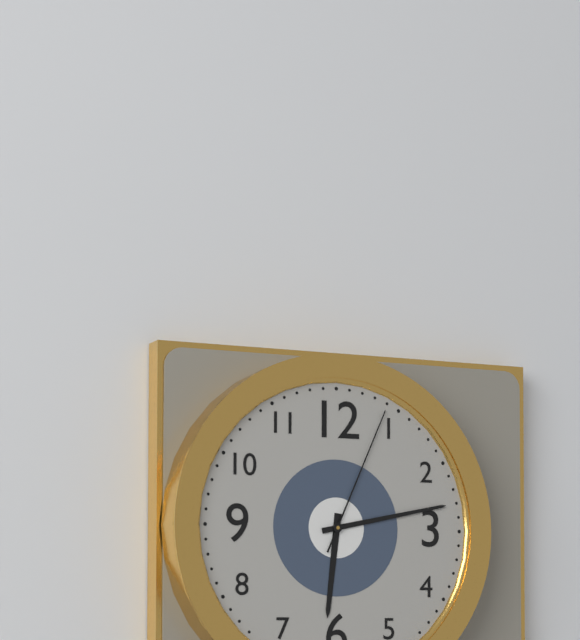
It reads 6,13,04
